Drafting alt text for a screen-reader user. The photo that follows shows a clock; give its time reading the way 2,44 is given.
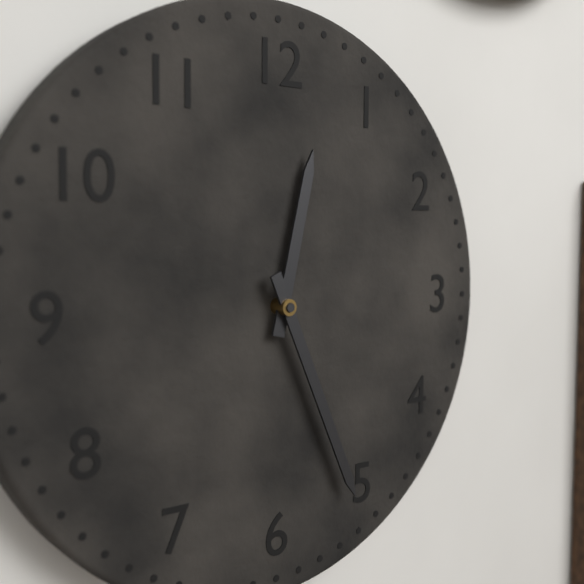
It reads 12,26
